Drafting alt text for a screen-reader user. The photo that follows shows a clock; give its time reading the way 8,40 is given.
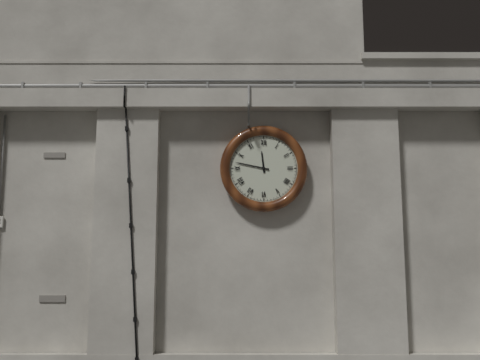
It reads 11,47
